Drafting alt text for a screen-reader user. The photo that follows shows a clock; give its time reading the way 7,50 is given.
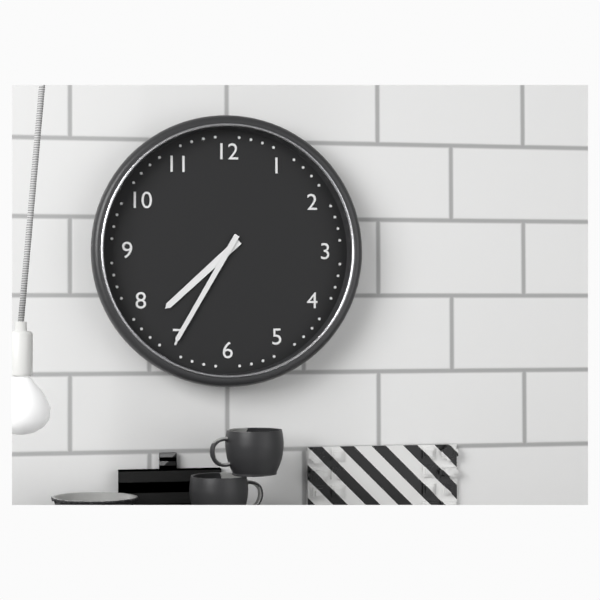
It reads 7,35
